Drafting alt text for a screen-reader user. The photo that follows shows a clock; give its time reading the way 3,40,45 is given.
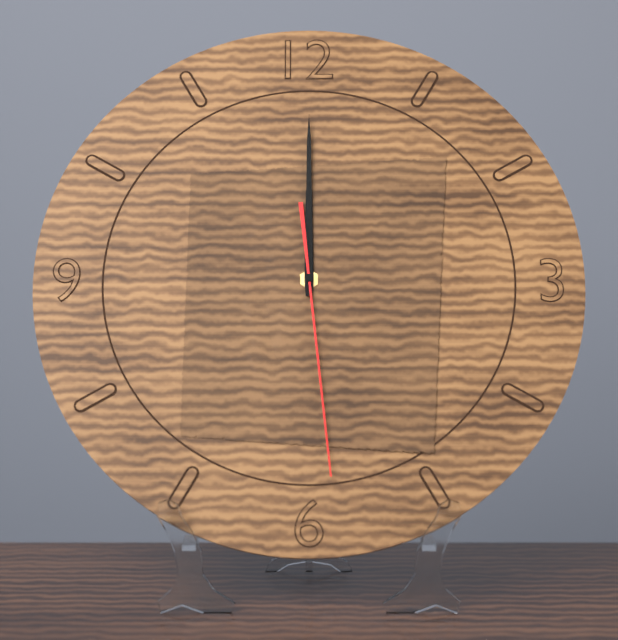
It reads 12,00,29
